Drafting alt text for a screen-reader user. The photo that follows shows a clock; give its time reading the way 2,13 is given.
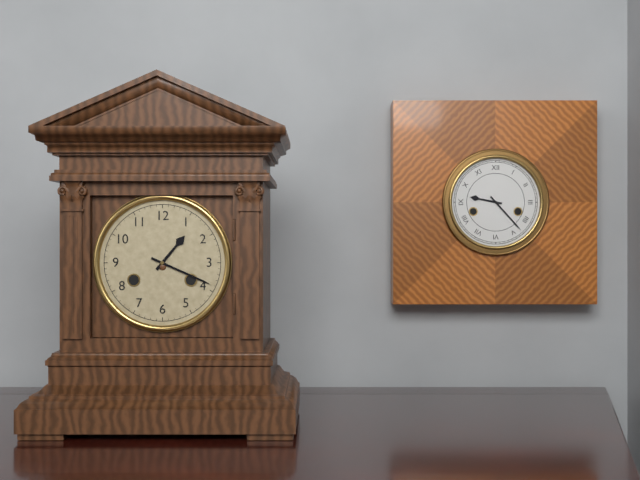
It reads 1,19
